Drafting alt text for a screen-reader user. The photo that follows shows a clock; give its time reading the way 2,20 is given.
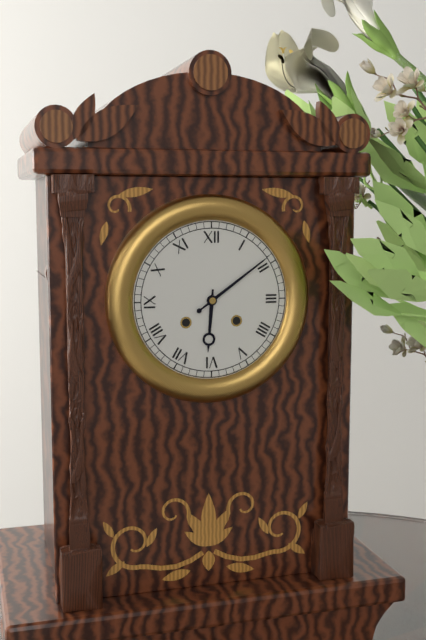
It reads 6,09
